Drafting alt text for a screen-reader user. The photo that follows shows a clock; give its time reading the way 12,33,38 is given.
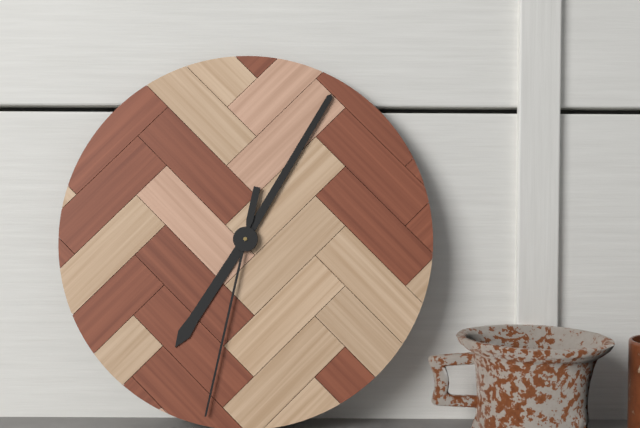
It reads 7,05,32
